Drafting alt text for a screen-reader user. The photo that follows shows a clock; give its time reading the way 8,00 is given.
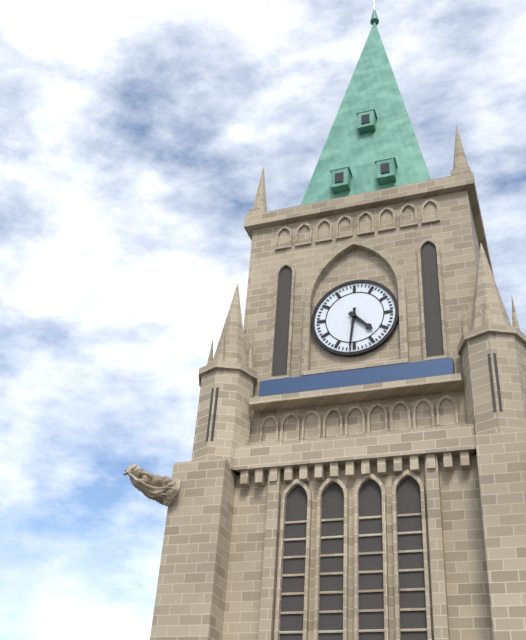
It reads 4,31
